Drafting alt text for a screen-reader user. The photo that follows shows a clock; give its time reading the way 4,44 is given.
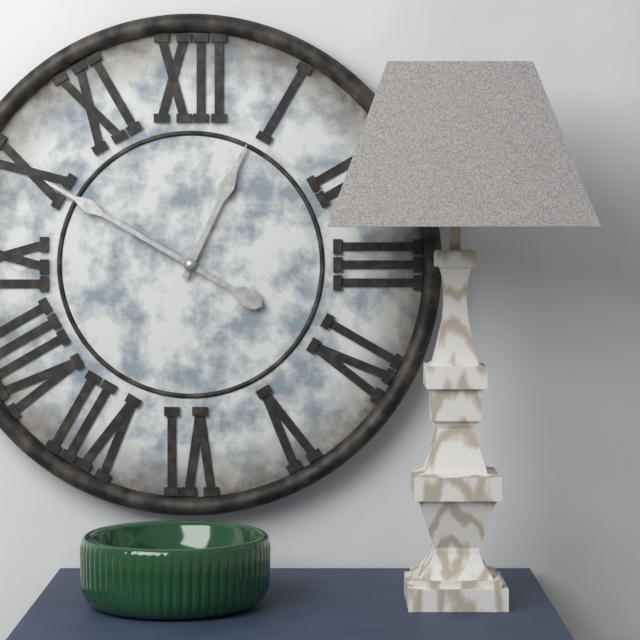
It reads 12,50
